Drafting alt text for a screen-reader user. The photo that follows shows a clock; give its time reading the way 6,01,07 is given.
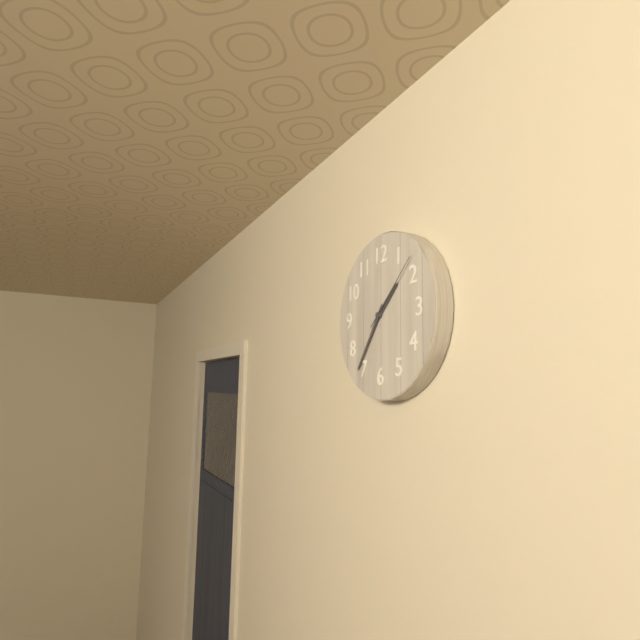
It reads 1,36,08
